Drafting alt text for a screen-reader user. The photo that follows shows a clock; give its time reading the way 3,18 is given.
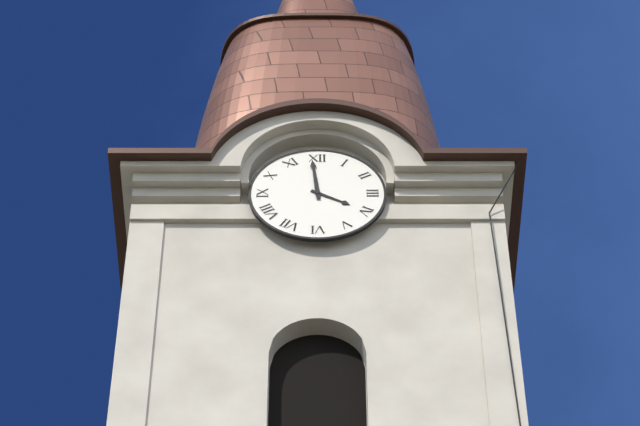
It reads 3,59
